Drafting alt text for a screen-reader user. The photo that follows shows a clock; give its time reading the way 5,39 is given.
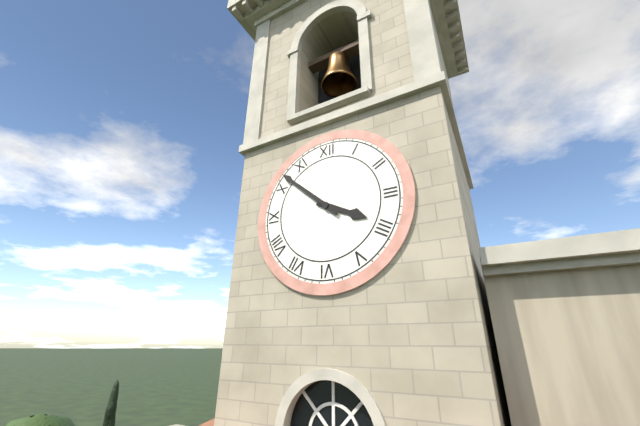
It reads 3,52
